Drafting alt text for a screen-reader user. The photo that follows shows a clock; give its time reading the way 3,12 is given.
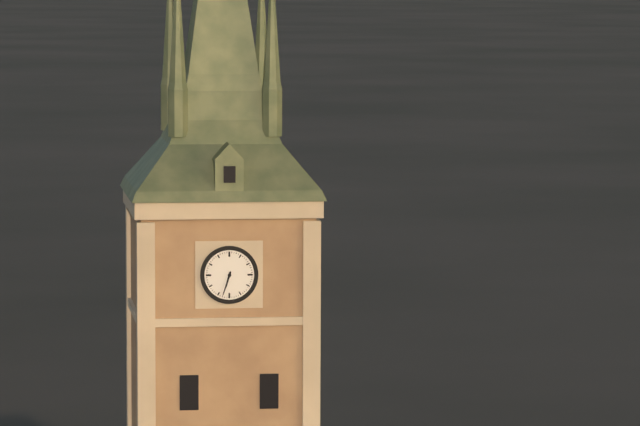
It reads 6,33
